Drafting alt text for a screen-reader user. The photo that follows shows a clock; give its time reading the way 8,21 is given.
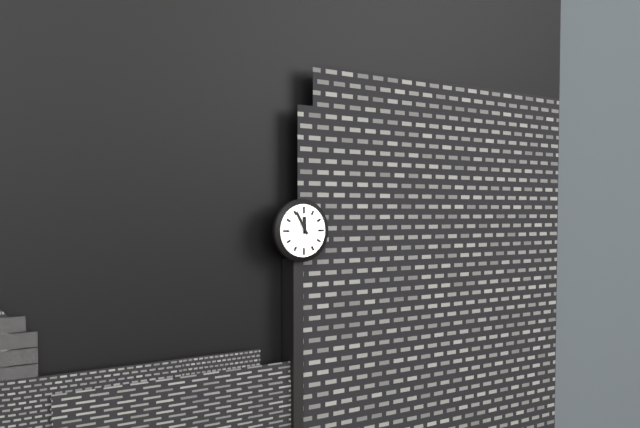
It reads 11,55
